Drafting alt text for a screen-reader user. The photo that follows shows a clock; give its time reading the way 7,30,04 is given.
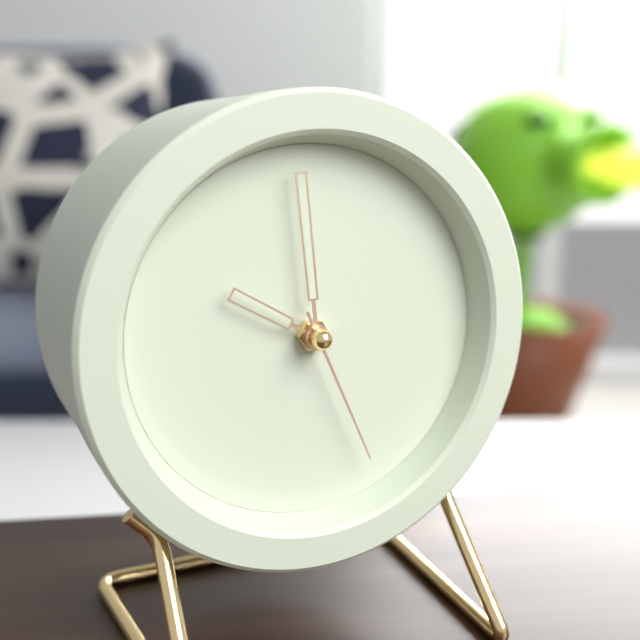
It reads 9,59,26
